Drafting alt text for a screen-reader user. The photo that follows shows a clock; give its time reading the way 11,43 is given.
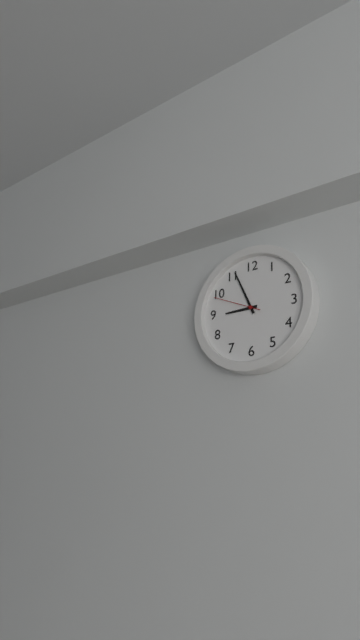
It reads 8,56
